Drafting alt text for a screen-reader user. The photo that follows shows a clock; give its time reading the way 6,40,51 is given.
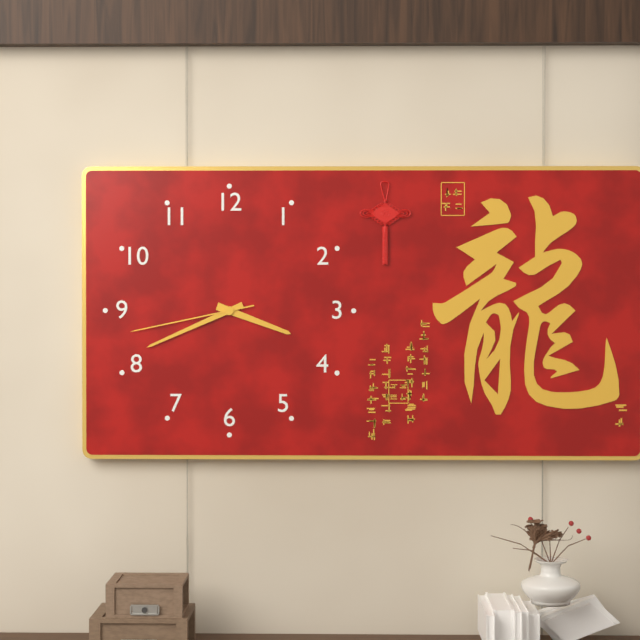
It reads 3,41,43
